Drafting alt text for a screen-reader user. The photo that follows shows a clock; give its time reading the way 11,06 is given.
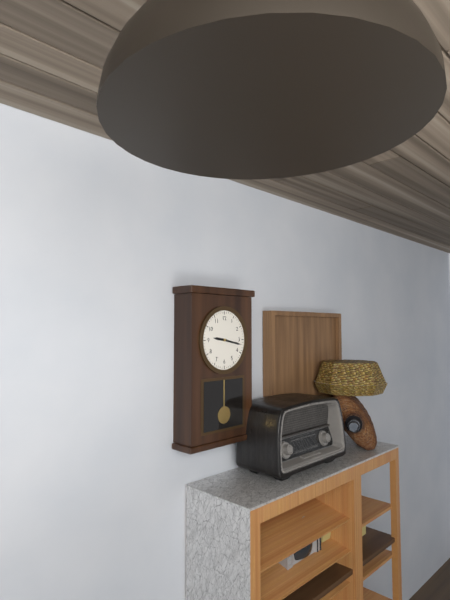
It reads 9,17
